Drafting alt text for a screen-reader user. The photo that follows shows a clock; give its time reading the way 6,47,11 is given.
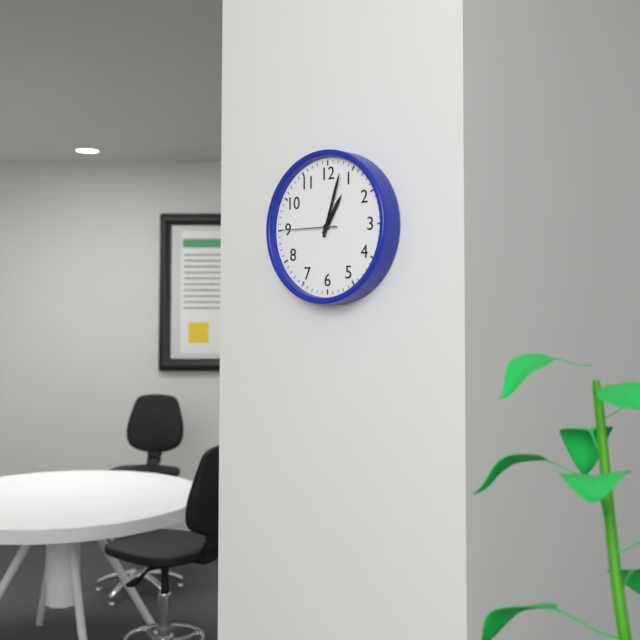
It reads 1,03,45
